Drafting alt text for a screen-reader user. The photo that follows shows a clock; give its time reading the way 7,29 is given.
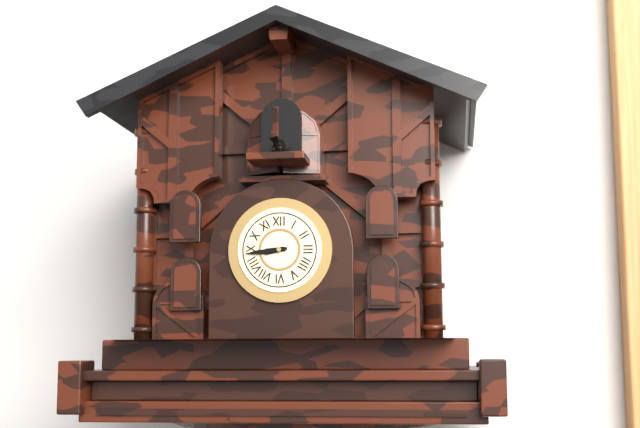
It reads 8,44
